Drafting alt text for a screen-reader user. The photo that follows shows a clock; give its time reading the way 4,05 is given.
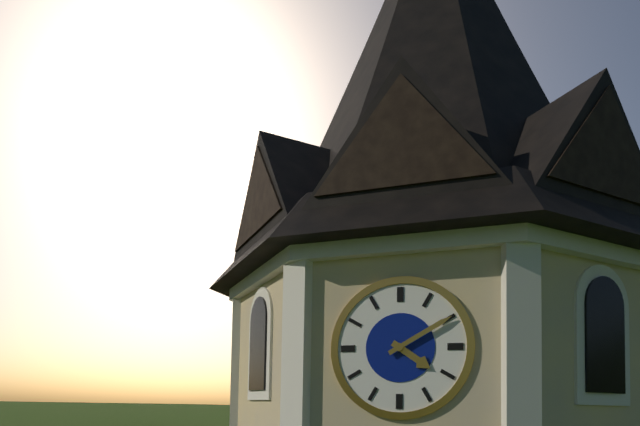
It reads 4,10
